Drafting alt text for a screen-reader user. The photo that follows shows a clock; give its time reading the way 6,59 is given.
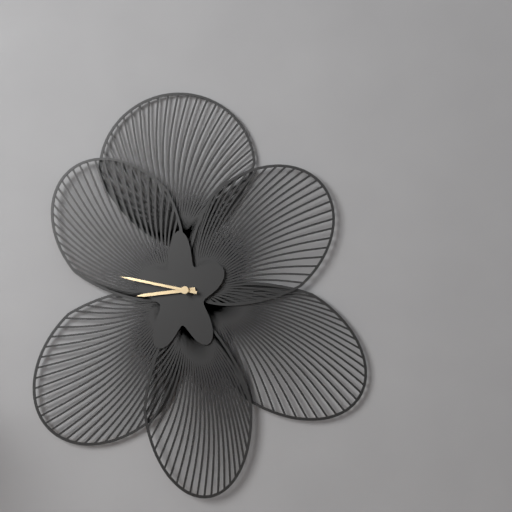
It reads 8,47
